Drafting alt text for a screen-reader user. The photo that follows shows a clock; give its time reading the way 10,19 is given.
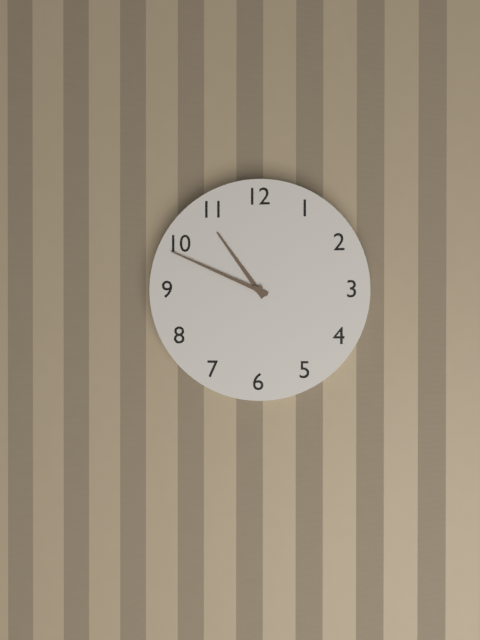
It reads 10,49
